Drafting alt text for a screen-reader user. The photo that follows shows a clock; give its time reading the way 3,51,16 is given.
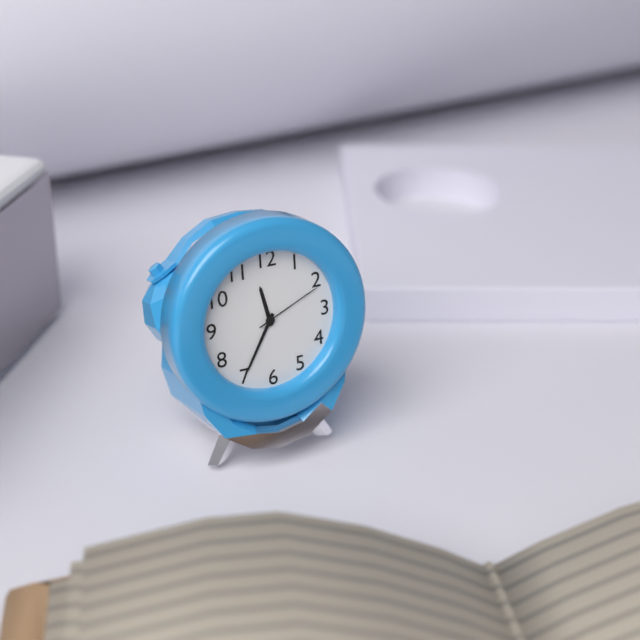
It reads 11,35,11
